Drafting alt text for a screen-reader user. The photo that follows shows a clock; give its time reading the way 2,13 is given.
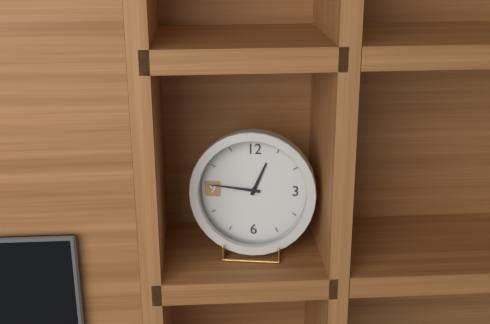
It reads 12,46
